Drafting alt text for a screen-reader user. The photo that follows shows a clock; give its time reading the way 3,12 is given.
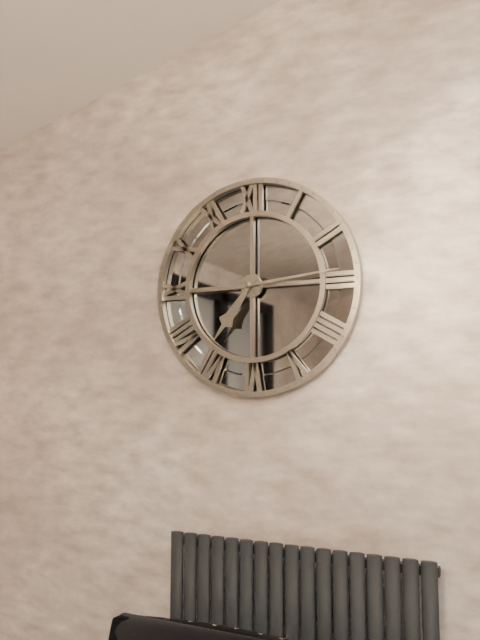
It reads 7,14
